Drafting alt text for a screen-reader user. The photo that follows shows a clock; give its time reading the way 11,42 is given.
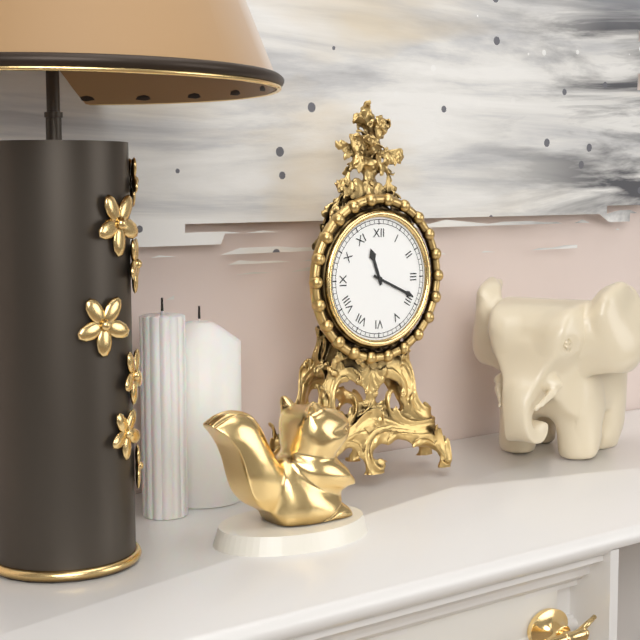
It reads 11,19
